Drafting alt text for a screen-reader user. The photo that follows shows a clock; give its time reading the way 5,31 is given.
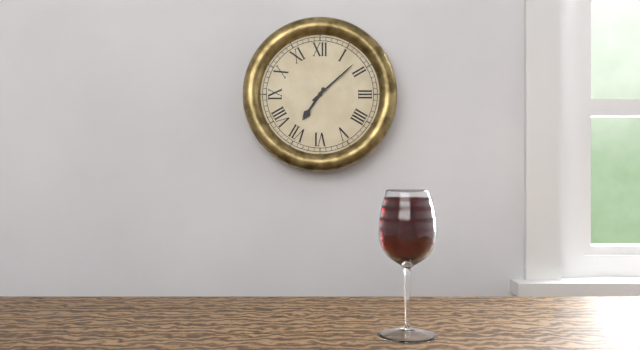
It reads 7,08
